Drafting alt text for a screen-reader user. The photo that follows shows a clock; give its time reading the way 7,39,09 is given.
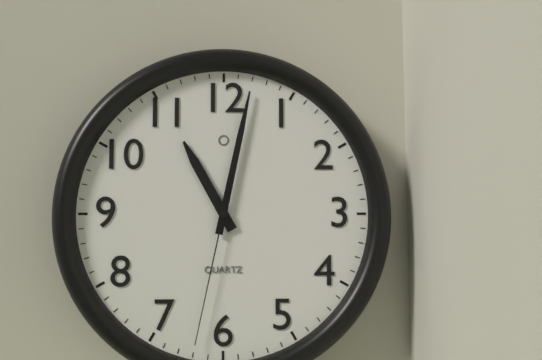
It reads 11,02,32
